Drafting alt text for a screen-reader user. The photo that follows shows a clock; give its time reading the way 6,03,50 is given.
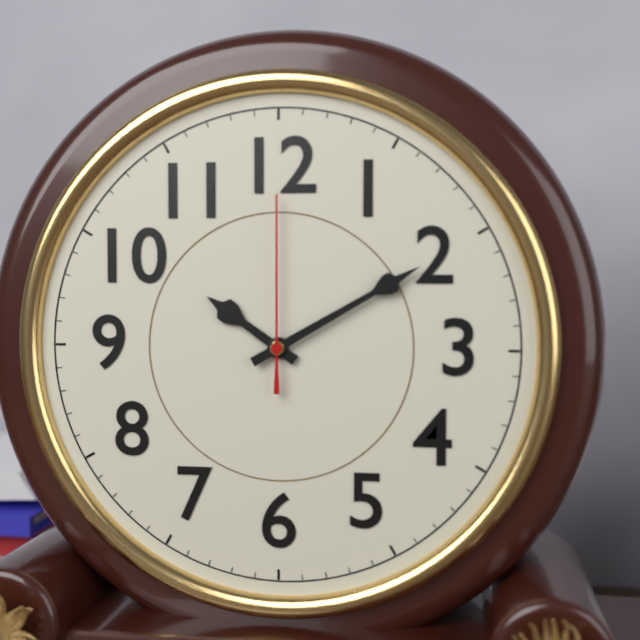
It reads 10,10,00
